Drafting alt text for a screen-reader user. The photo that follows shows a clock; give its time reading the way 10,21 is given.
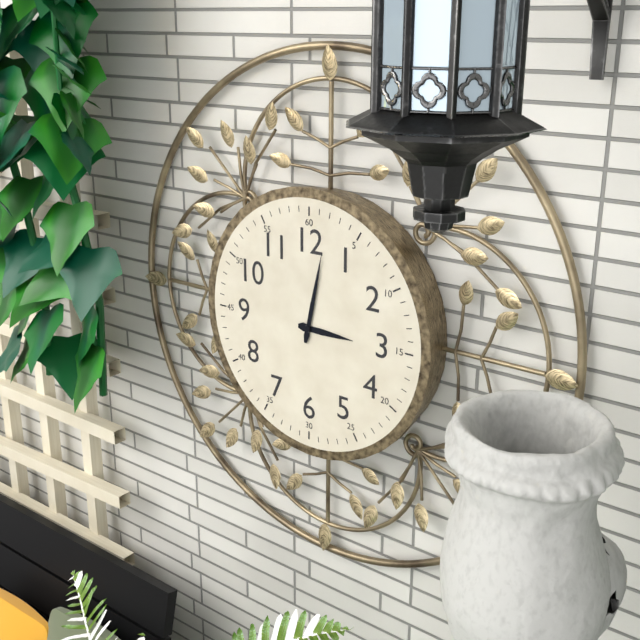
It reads 3,02
